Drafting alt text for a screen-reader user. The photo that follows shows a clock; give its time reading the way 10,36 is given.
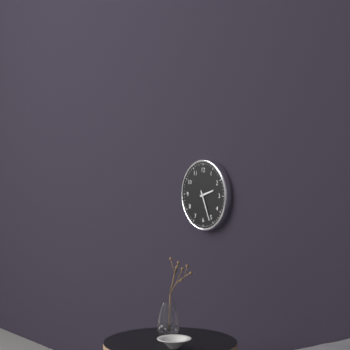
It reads 2,26
